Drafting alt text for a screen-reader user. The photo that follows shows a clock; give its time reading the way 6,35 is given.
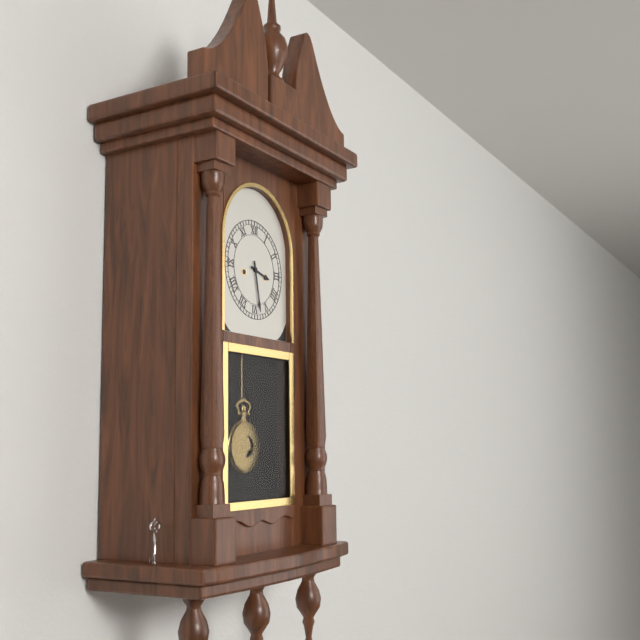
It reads 3,28
